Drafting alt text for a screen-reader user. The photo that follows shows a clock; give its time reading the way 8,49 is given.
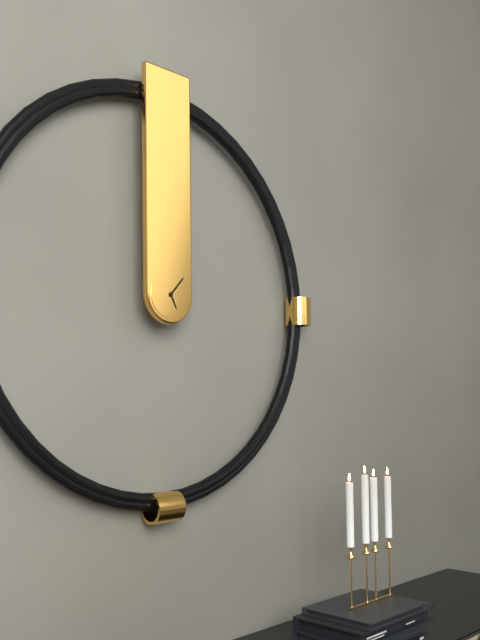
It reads 5,07
